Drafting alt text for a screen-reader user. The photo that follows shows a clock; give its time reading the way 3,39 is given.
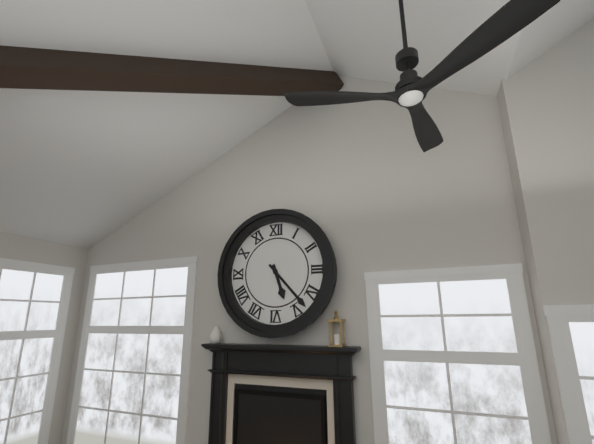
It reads 5,23
